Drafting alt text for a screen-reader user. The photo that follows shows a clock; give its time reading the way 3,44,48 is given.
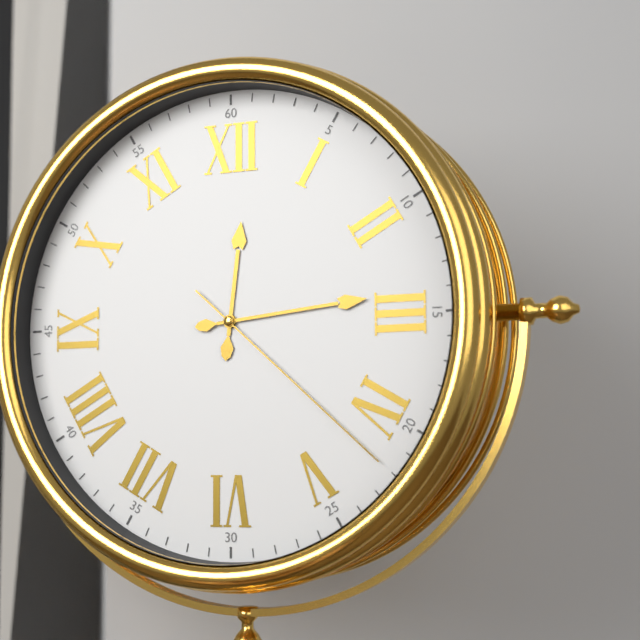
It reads 12,14,22
